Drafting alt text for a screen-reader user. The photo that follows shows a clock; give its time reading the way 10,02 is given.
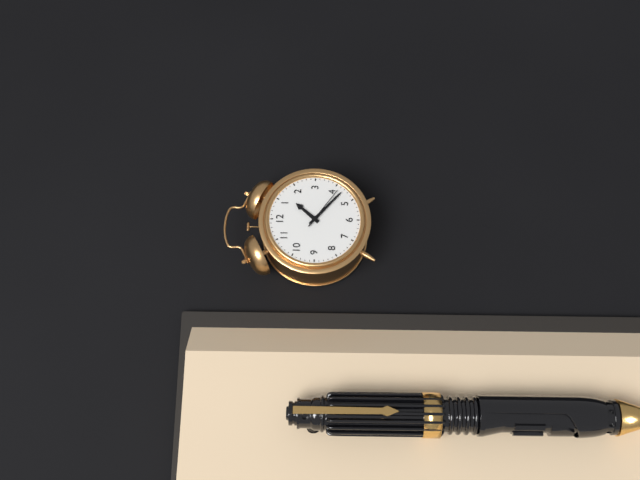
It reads 1,22
